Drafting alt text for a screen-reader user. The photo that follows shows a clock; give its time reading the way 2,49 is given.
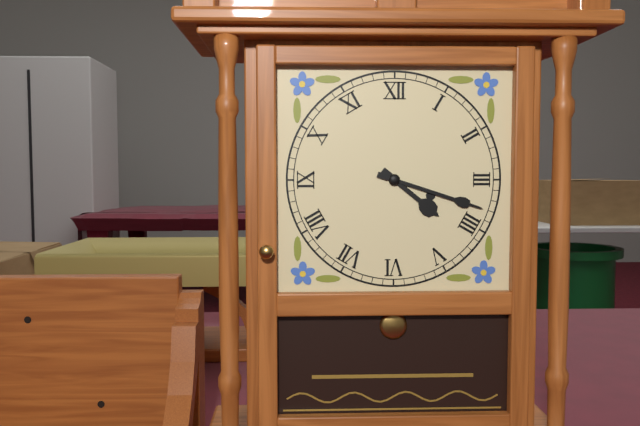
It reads 4,18
